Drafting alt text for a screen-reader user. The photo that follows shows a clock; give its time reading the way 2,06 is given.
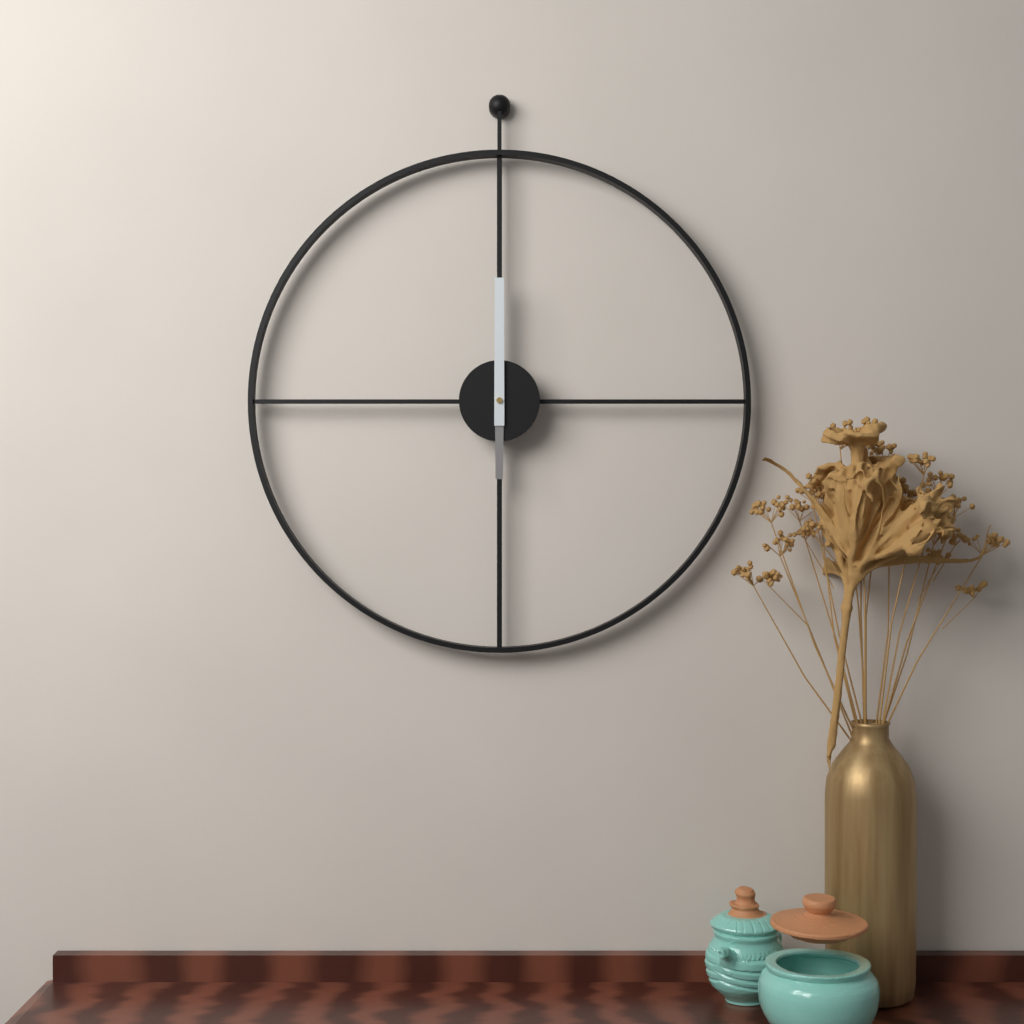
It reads 6,00
